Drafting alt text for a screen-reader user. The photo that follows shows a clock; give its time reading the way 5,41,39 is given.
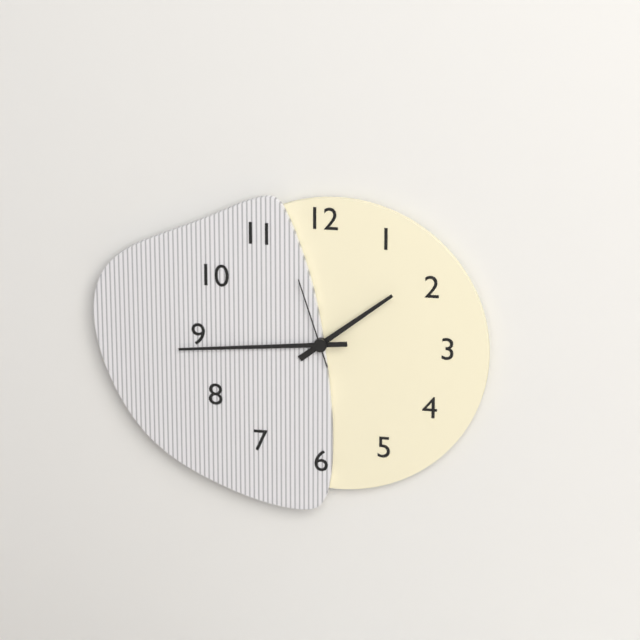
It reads 1,44,57
